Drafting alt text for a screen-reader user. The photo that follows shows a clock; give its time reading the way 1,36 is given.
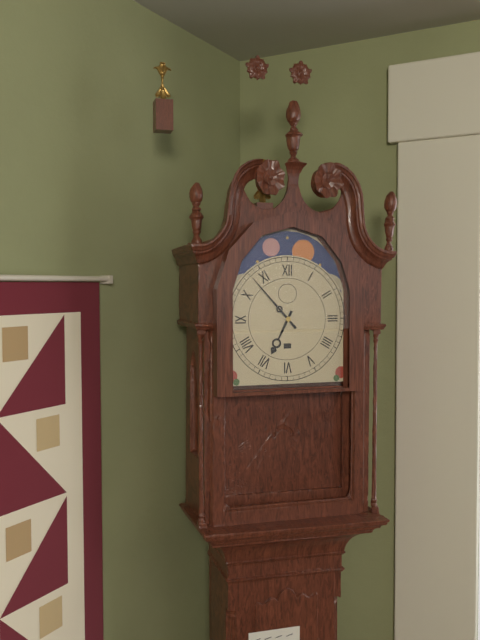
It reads 6,53
